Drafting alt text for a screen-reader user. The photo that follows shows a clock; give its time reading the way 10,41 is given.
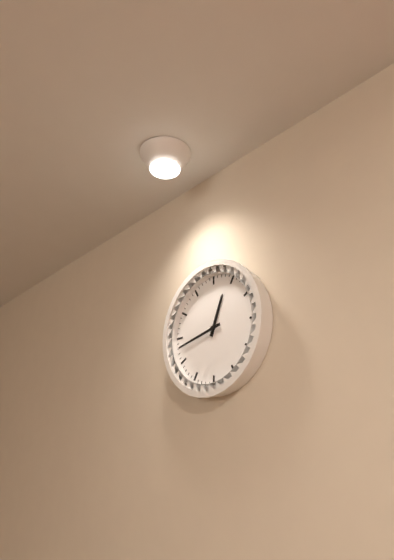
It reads 12,43
